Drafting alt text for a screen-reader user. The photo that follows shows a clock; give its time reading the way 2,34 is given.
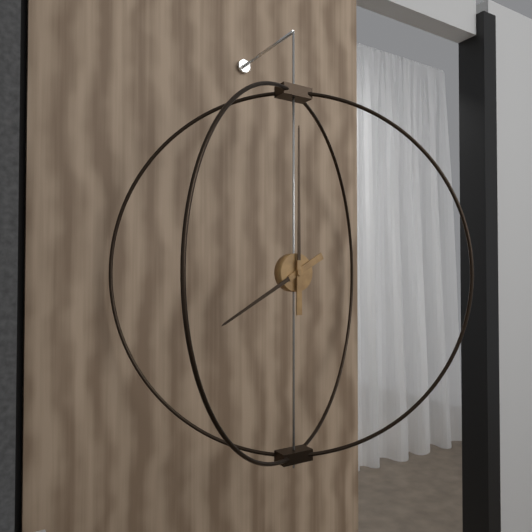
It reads 8,00
